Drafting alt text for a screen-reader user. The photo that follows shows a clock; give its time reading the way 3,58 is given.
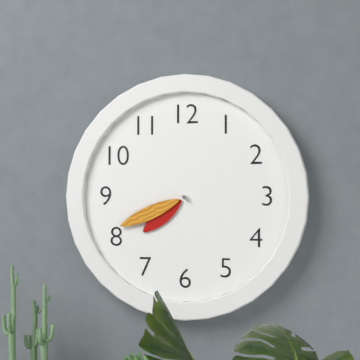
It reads 7,41
